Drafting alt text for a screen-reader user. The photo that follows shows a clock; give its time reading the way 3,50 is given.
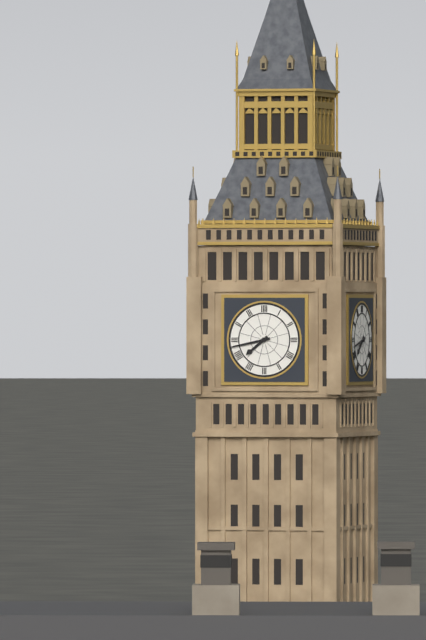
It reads 7,43
